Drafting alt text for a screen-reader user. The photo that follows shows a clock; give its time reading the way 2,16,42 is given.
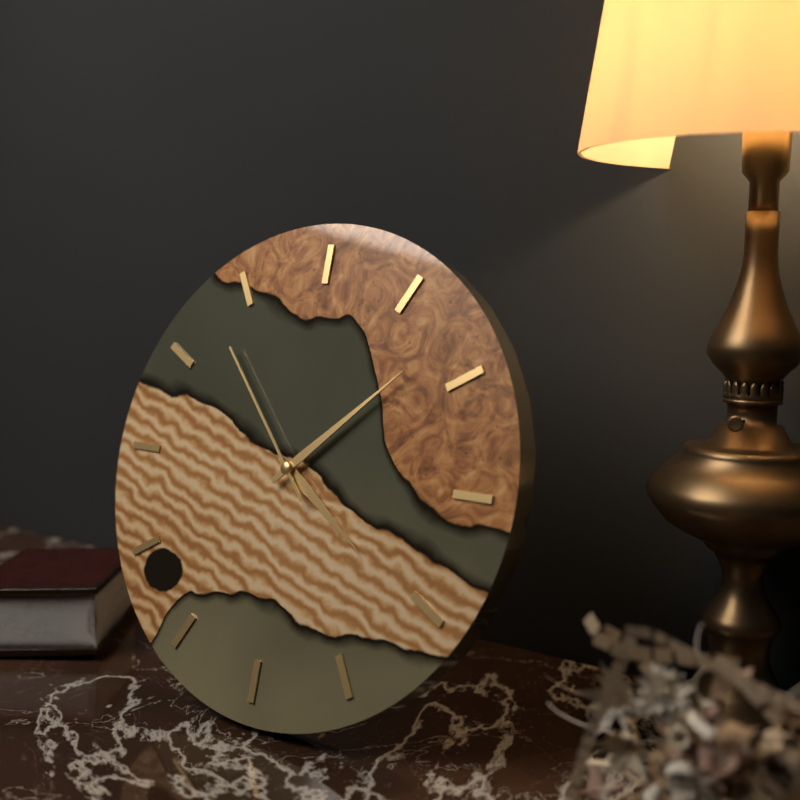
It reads 4,08,53
